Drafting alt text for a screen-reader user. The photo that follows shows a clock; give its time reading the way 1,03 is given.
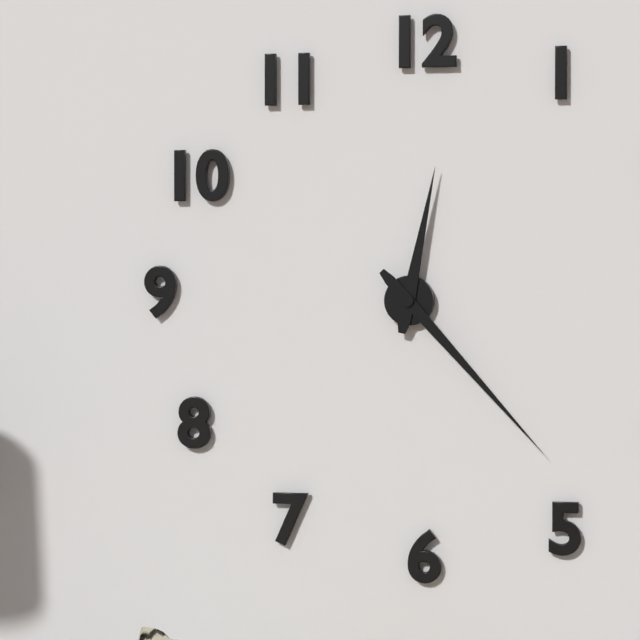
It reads 12,23
